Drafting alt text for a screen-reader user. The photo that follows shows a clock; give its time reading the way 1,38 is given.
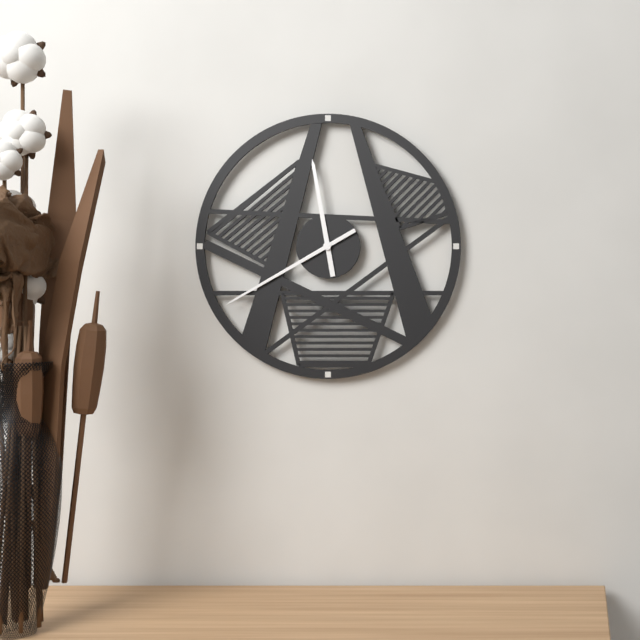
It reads 11,40
